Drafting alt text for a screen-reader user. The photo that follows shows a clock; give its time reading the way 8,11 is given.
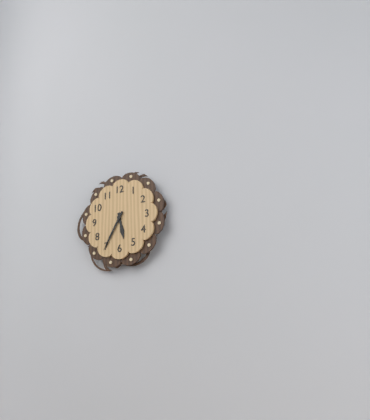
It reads 5,35
